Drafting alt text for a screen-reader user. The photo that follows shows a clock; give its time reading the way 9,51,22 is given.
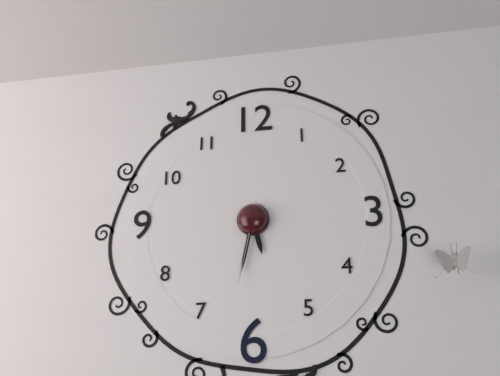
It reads 5,32,32
